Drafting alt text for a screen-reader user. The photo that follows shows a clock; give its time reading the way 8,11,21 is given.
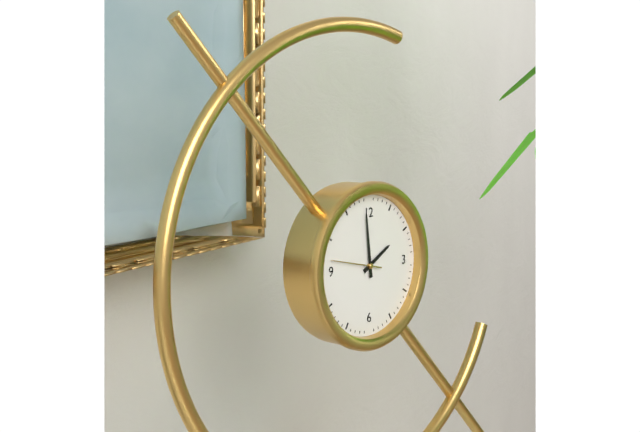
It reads 1,59,47
